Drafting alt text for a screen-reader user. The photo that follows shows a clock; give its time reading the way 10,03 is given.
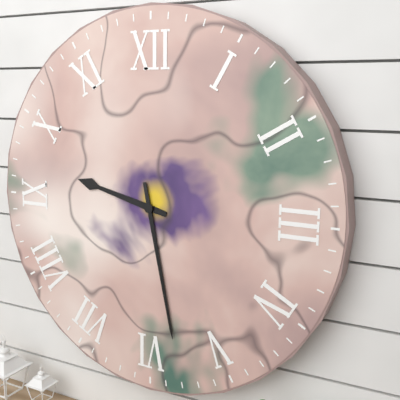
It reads 9,28
